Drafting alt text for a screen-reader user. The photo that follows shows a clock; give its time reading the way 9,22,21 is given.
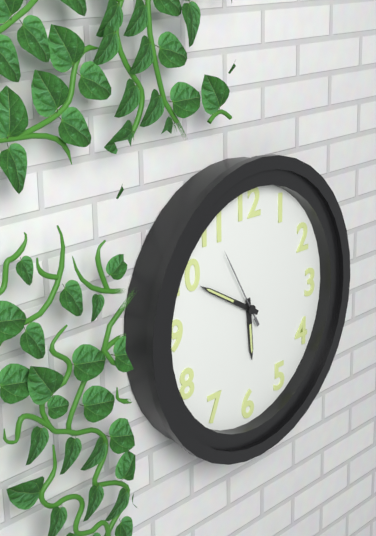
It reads 5,50,55
